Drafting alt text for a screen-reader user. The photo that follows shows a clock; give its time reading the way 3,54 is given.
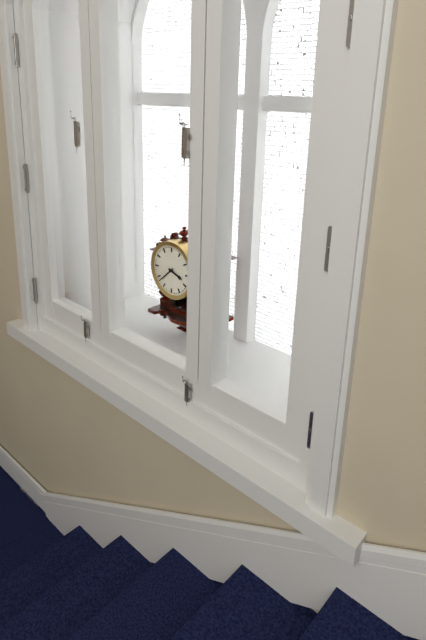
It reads 3,38
